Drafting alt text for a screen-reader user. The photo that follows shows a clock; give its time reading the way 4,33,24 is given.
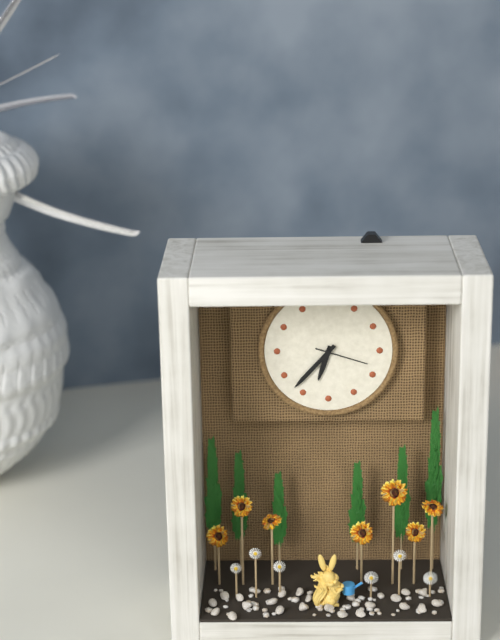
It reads 6,37,18
